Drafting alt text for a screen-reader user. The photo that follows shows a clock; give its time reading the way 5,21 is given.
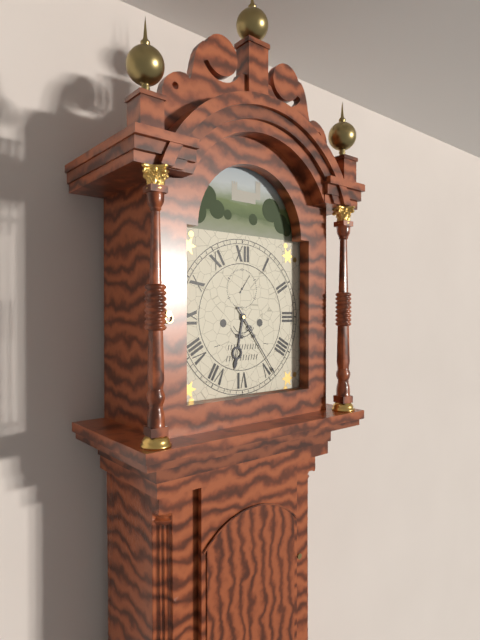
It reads 6,24
